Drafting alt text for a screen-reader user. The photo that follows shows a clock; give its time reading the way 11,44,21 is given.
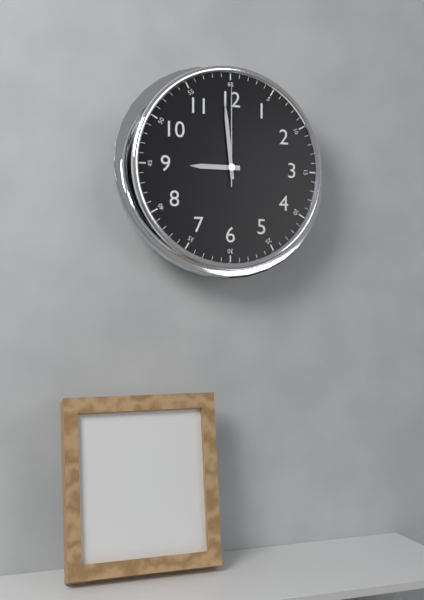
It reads 8,59,00
